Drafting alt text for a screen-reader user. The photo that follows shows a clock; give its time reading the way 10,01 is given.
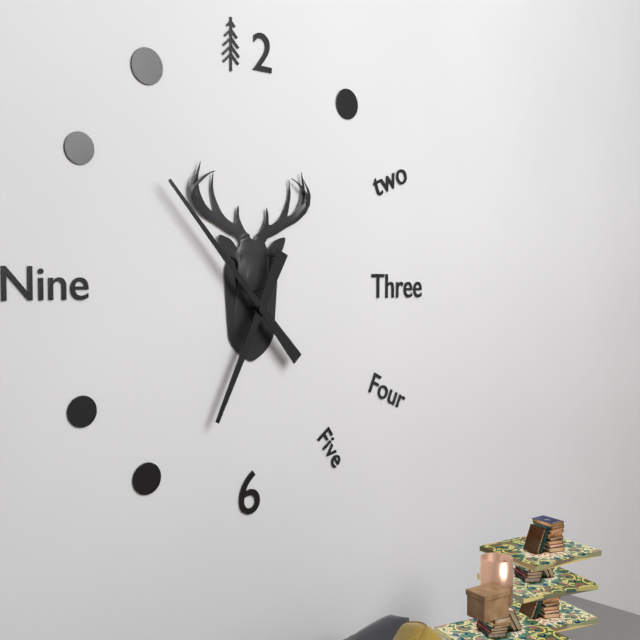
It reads 6,53
